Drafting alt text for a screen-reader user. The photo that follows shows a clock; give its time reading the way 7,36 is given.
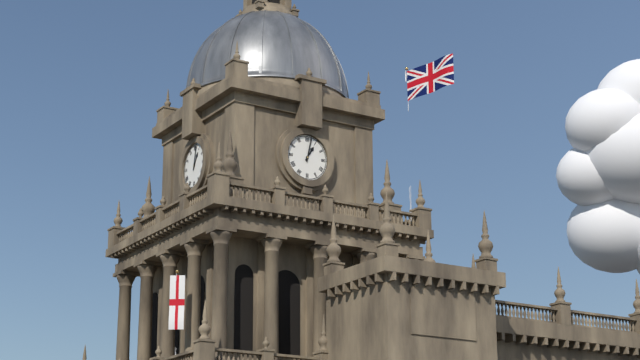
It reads 1,02
